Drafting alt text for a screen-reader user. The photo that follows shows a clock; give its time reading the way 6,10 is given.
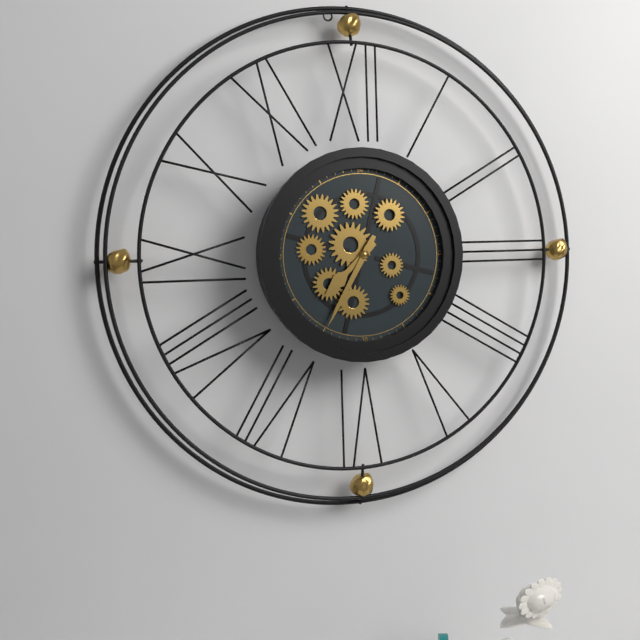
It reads 7,35
